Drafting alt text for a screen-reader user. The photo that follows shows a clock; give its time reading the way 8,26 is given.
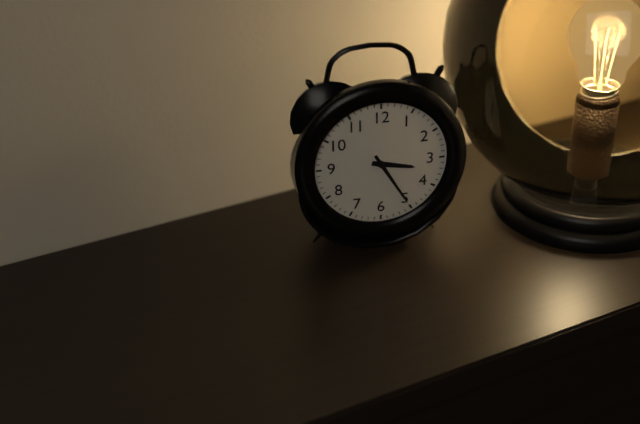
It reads 3,25
